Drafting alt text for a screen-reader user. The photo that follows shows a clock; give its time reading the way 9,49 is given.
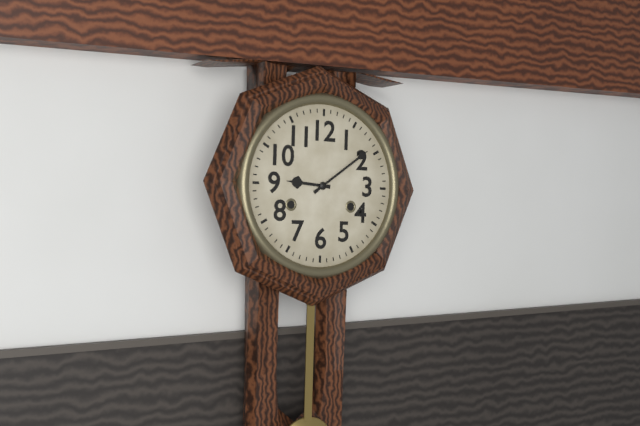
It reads 9,09
